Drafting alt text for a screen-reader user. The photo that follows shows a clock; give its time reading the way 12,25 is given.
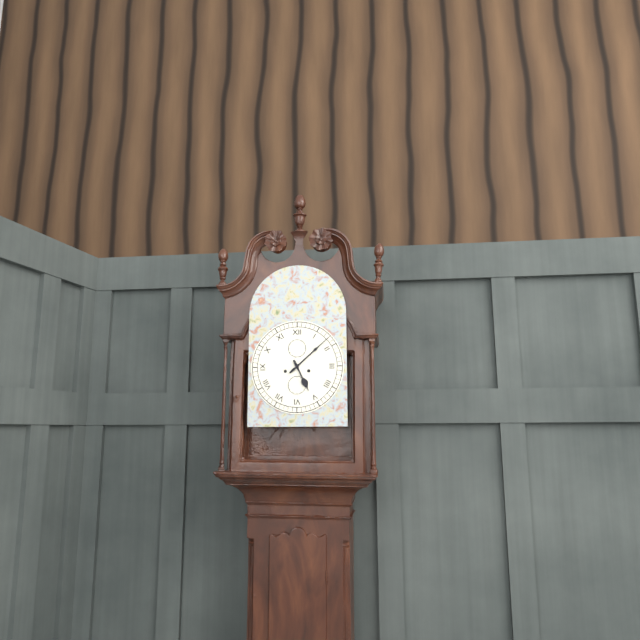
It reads 5,08
